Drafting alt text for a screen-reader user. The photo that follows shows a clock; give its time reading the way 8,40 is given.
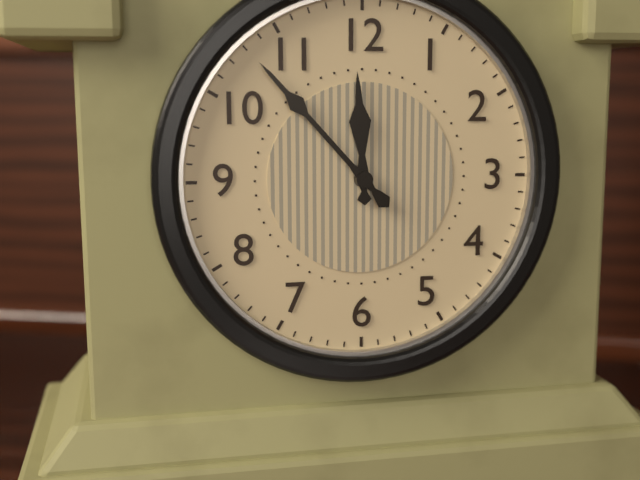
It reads 11,53
